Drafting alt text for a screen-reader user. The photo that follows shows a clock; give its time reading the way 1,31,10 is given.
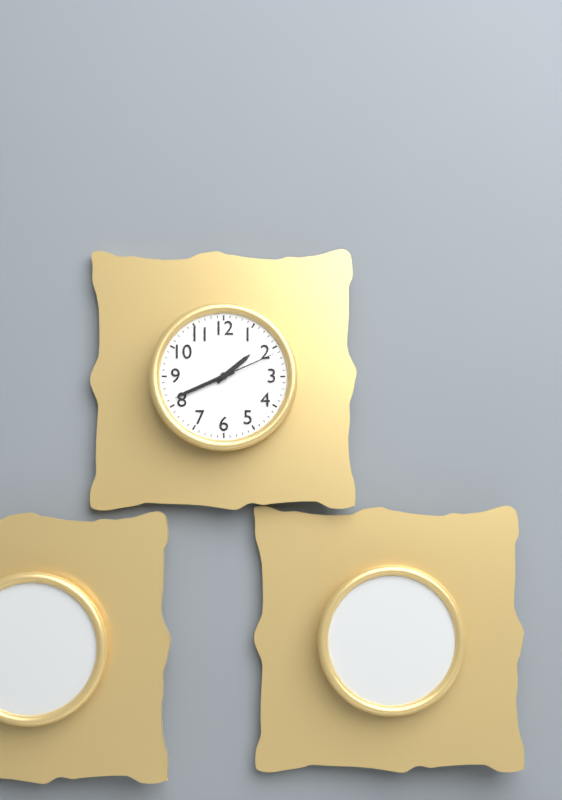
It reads 1,41,11
